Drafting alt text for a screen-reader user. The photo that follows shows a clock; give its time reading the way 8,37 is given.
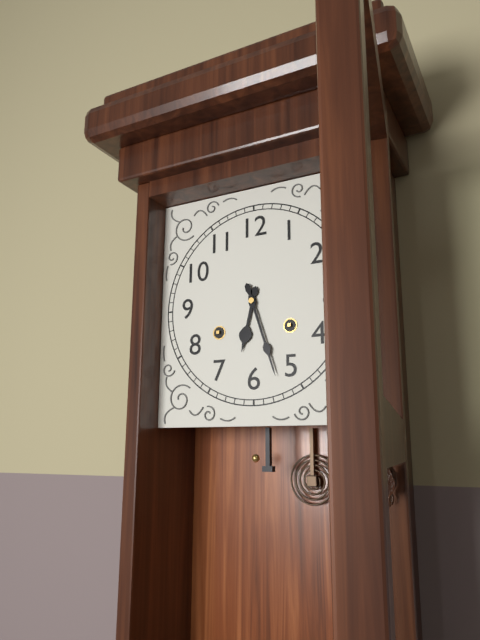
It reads 6,27
